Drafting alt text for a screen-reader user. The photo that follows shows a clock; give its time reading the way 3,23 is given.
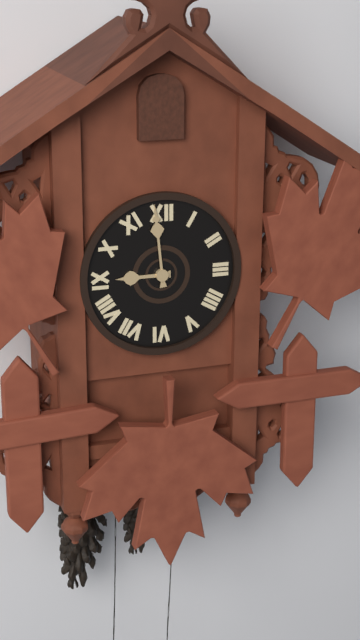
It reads 8,59
